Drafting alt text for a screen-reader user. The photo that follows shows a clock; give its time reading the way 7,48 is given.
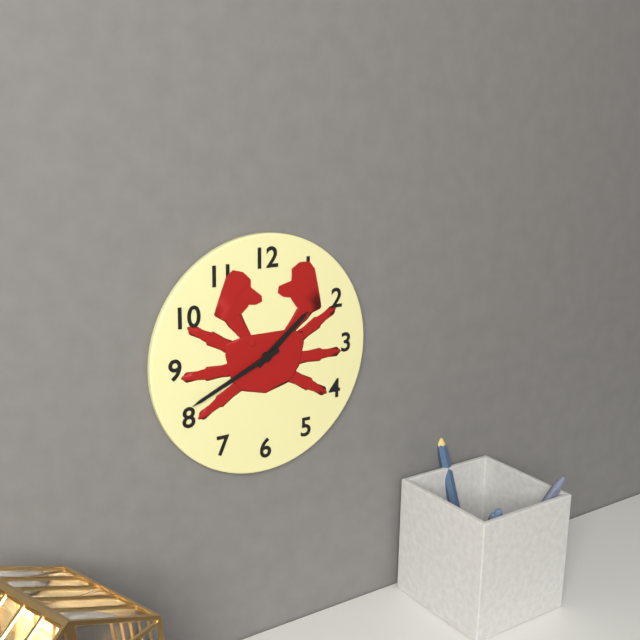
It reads 1,41
